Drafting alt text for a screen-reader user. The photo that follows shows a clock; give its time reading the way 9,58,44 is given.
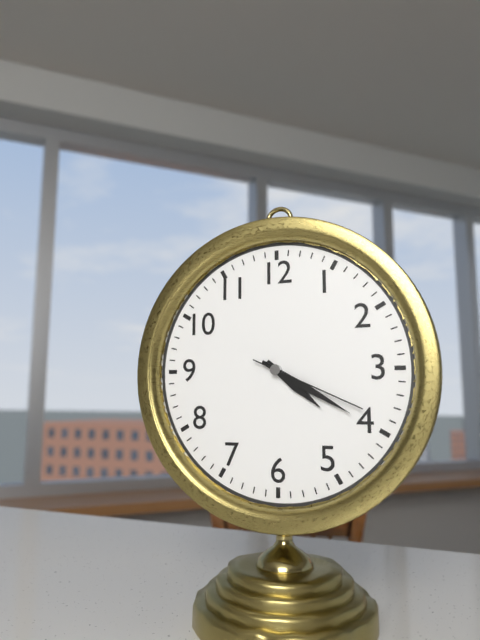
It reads 4,20,19
